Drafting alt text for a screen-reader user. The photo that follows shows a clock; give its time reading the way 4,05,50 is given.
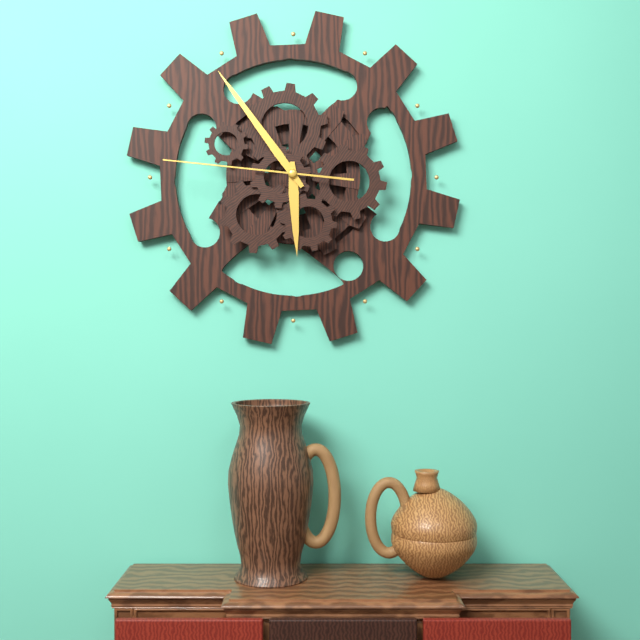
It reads 5,54,46
